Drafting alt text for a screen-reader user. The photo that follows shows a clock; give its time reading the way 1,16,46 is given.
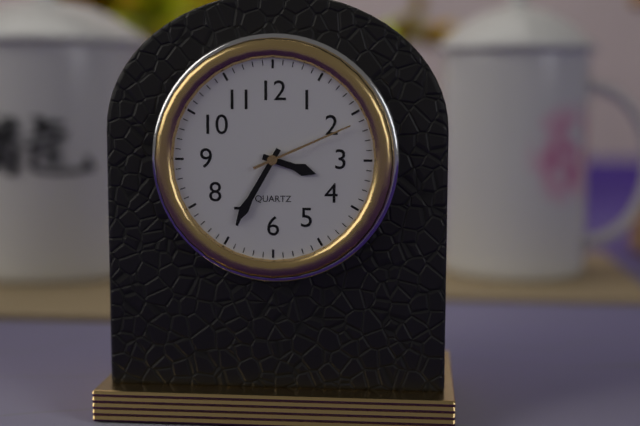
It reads 3,35,11
